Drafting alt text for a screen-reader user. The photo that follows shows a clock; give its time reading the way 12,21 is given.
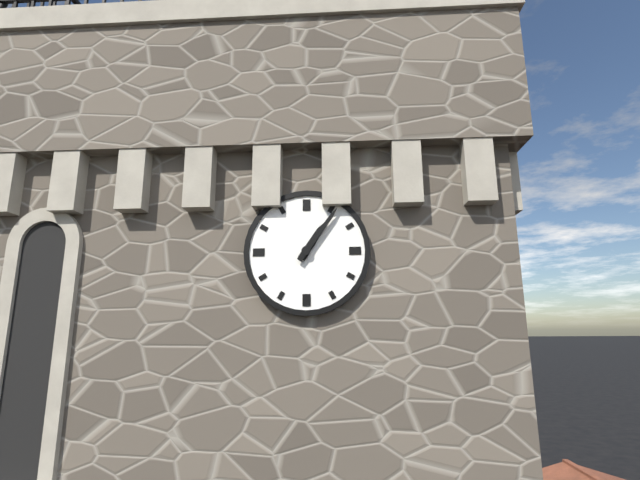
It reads 1,06
